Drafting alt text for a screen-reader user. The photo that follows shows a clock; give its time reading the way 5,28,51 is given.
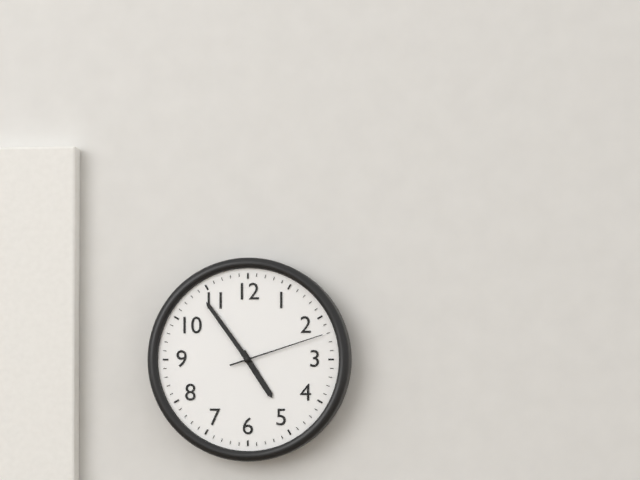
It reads 4,54,12
